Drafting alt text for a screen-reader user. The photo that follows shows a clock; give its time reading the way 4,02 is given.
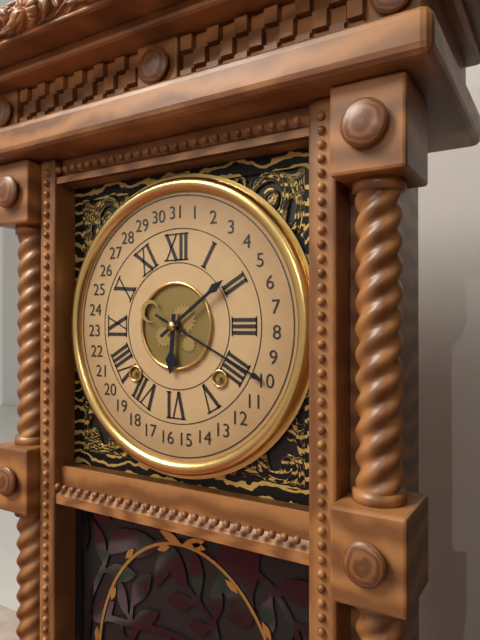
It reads 6,09
